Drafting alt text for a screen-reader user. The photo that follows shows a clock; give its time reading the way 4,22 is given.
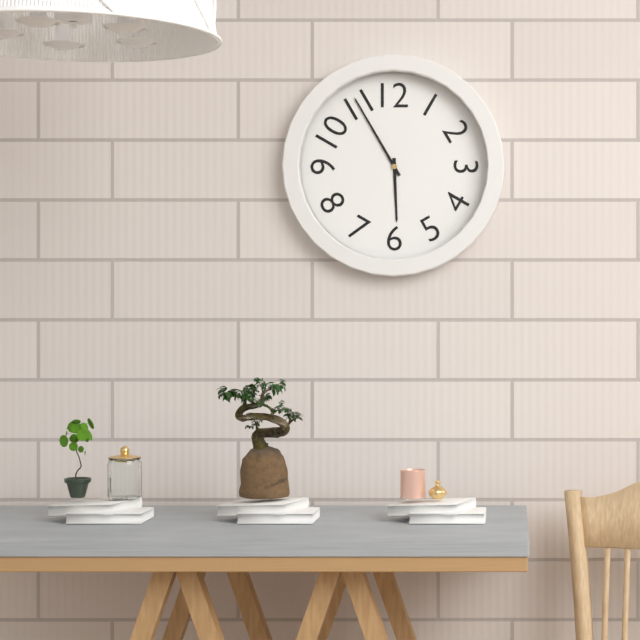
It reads 5,55
